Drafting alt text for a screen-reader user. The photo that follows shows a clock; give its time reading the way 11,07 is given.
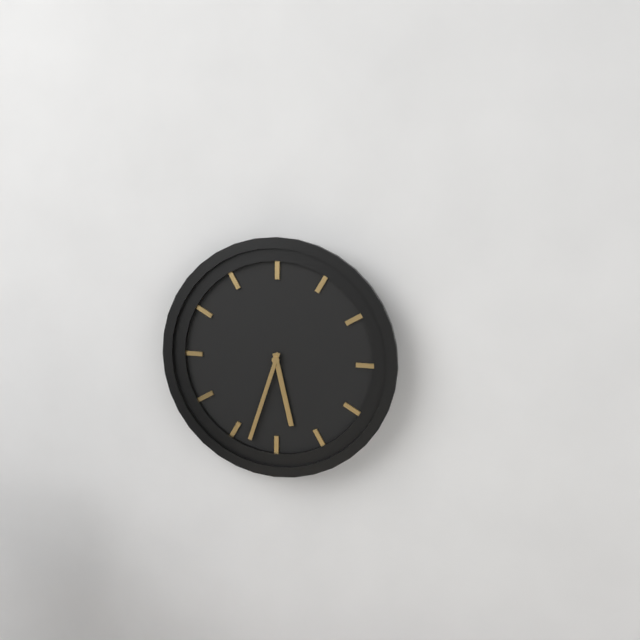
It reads 5,33
